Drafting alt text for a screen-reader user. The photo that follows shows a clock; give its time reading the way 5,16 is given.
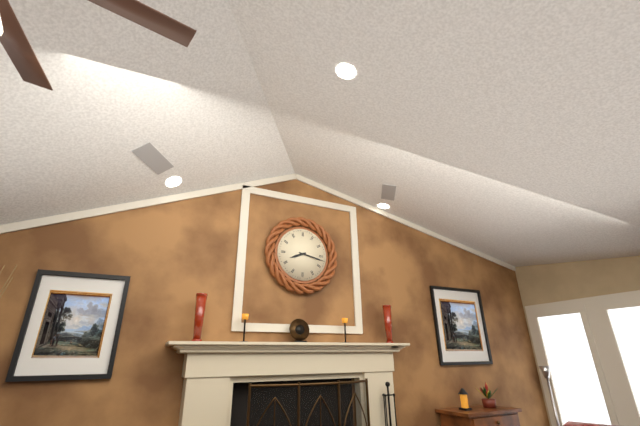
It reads 8,17
